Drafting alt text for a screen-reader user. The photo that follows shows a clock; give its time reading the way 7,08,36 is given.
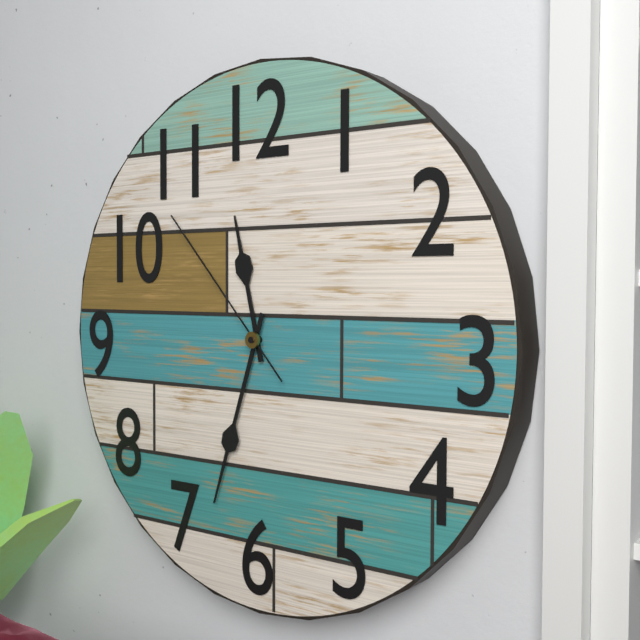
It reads 11,33,53
